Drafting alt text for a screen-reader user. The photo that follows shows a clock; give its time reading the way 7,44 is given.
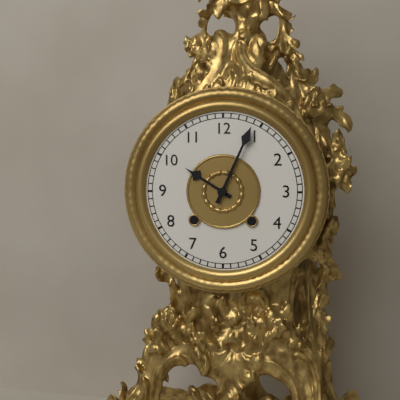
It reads 10,04
